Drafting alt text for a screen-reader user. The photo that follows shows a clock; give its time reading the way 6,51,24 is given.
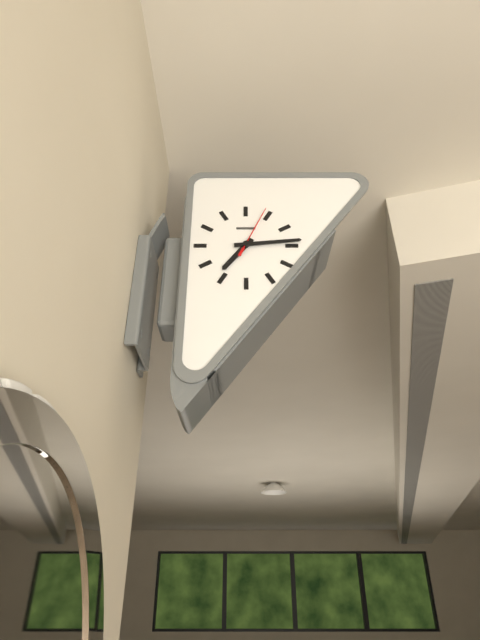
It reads 7,14,04
